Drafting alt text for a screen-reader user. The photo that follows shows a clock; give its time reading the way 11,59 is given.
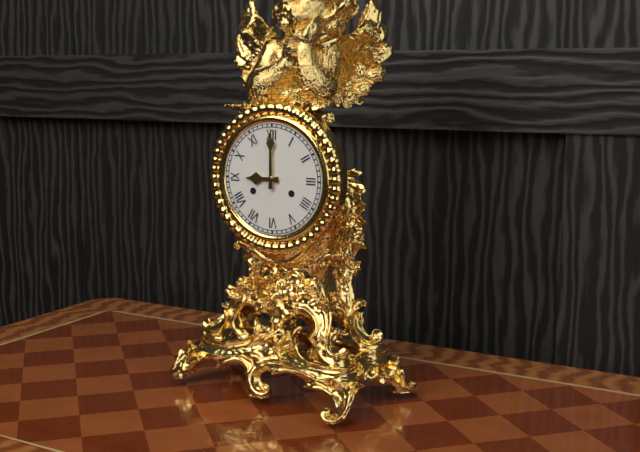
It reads 9,00
